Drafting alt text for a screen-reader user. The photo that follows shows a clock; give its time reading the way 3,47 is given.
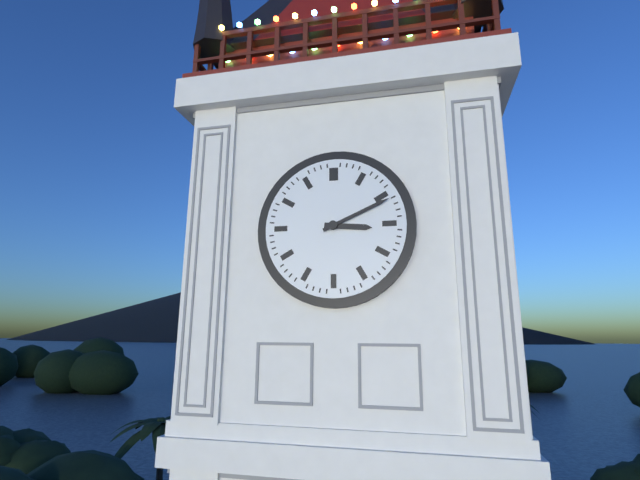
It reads 3,11
